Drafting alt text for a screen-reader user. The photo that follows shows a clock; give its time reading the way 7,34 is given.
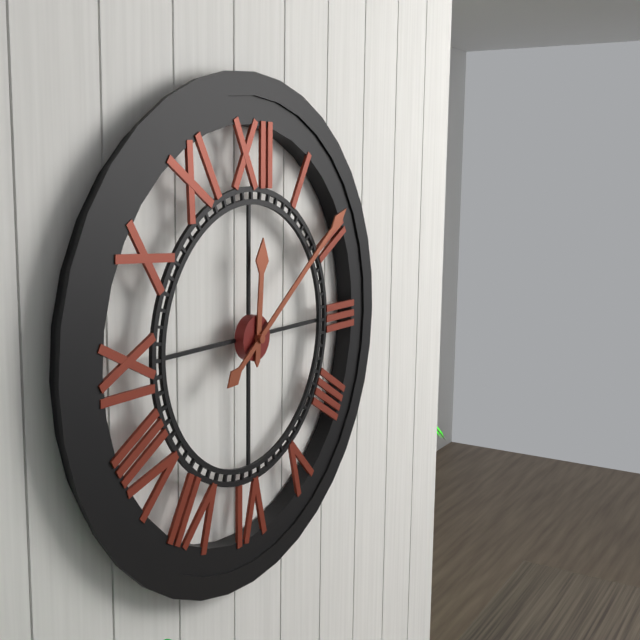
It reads 12,09
